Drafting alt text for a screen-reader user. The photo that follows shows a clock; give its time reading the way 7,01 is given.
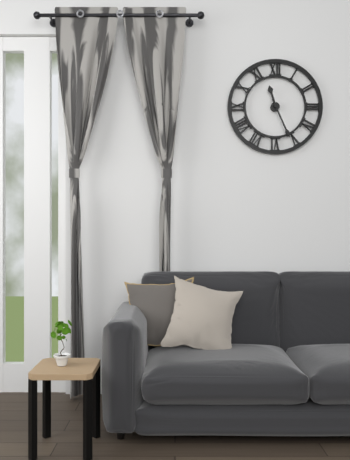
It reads 11,26
